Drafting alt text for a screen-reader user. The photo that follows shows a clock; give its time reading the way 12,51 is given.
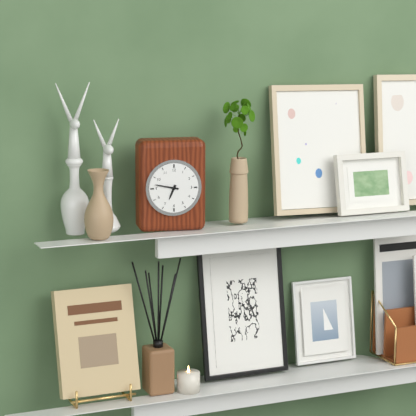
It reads 6,47
